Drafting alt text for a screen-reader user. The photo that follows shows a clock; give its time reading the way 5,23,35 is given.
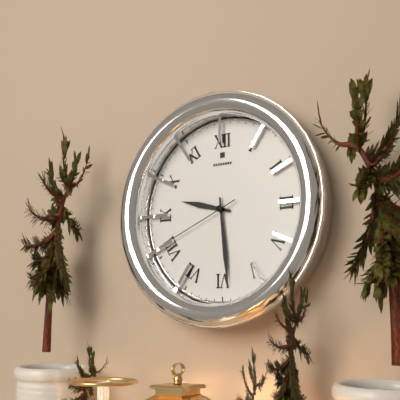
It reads 9,29,41
